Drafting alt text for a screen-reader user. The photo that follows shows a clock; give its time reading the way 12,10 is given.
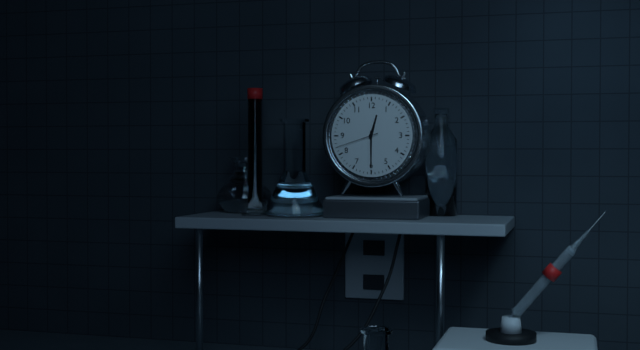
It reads 12,30
